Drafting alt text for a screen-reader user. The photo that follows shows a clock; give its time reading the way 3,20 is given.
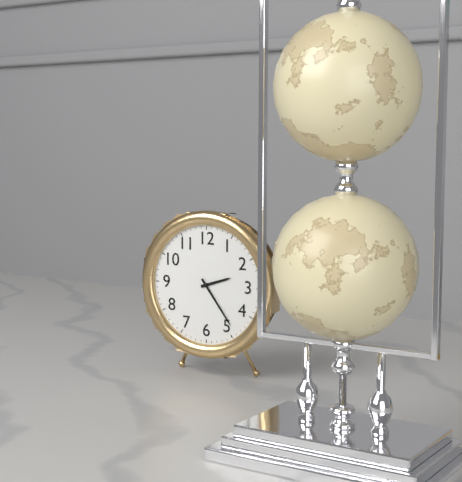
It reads 2,24
